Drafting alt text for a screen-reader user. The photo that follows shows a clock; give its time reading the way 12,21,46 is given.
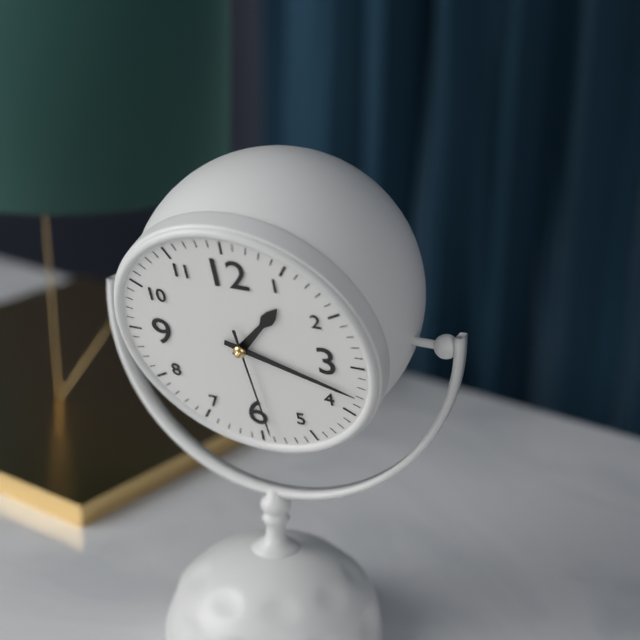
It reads 1,18,29
